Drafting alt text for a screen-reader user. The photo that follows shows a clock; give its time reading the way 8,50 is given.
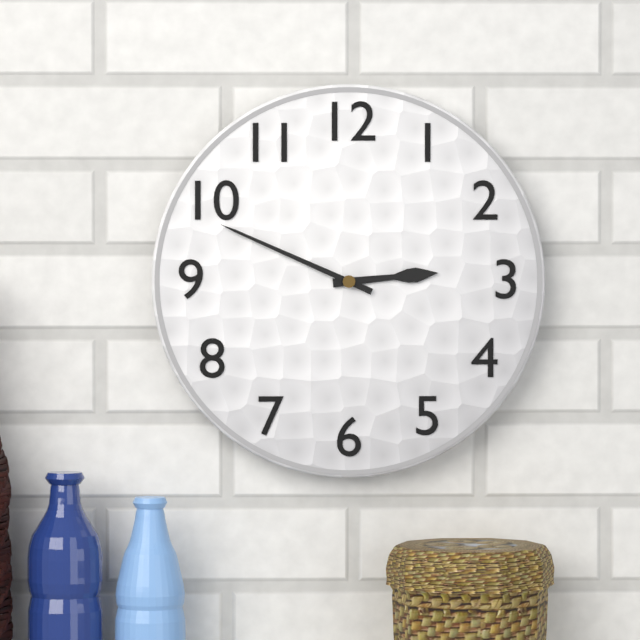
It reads 2,49
